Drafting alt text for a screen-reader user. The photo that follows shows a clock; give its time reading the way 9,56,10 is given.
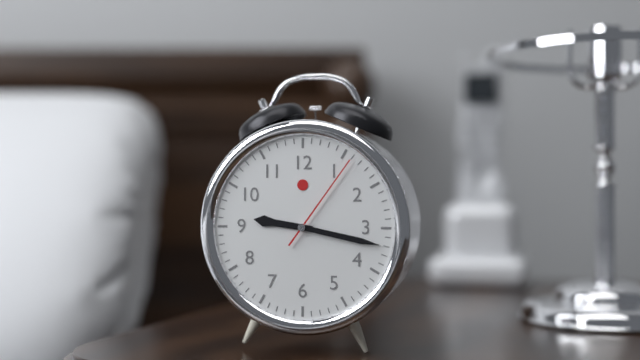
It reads 9,17,06
